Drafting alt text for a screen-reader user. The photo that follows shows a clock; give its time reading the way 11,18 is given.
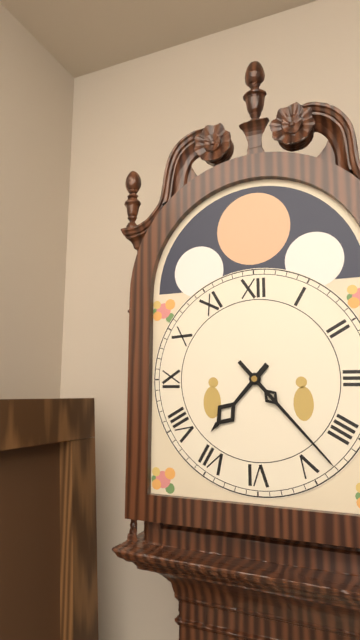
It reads 7,23
